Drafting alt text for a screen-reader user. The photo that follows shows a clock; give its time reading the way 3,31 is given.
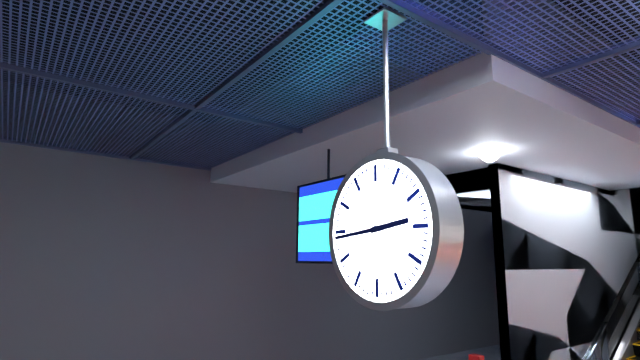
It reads 2,44
